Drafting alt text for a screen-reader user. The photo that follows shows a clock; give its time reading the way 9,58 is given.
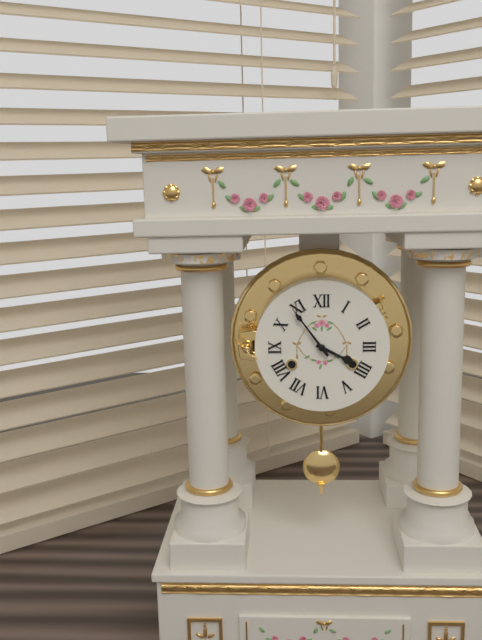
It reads 3,54
